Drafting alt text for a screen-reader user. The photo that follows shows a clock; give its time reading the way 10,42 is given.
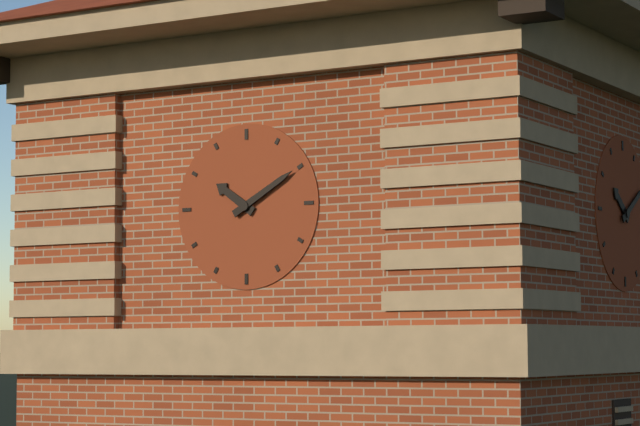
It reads 10,10
